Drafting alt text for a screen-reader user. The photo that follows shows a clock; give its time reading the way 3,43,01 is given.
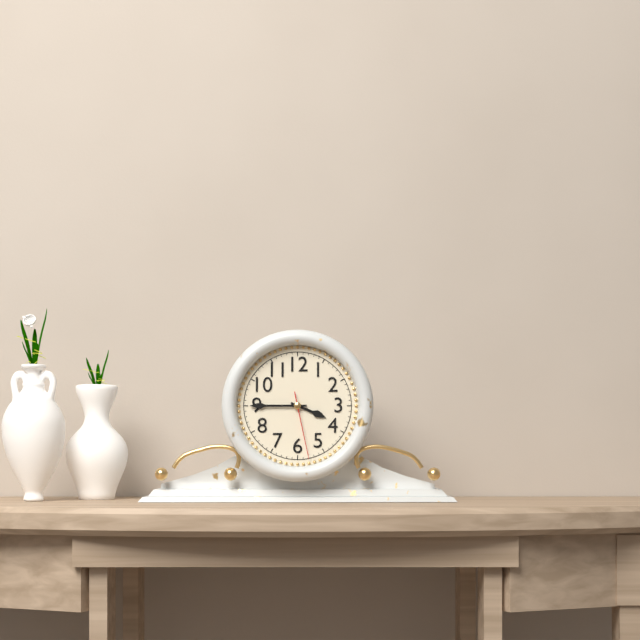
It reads 3,45,28
